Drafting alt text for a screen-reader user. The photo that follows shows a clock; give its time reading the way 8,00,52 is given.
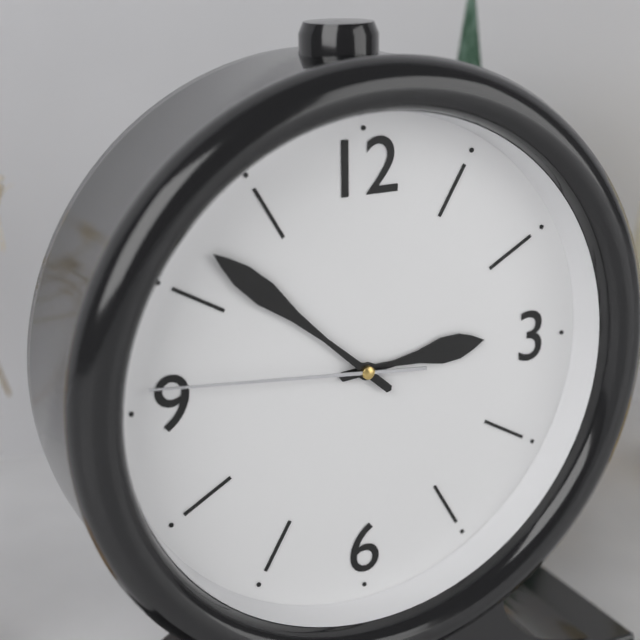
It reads 2,52,46
